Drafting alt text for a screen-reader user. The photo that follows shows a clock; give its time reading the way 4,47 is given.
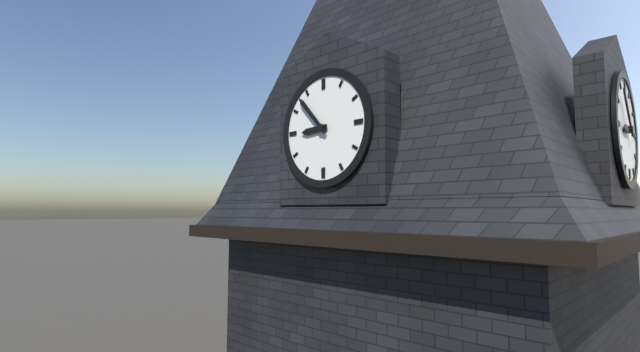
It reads 8,53
